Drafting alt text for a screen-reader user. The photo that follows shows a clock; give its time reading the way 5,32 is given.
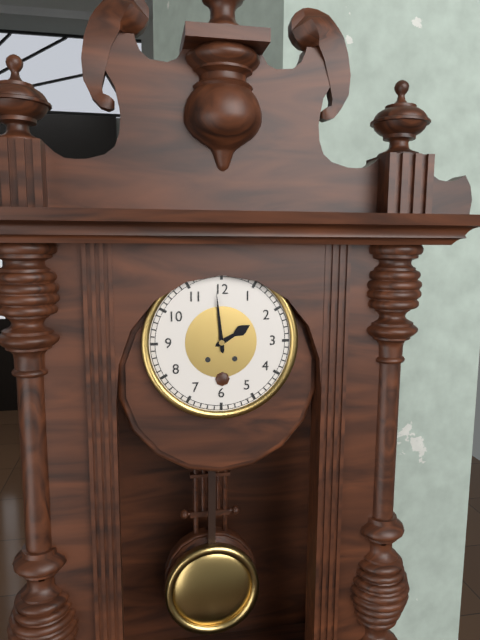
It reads 1,59
